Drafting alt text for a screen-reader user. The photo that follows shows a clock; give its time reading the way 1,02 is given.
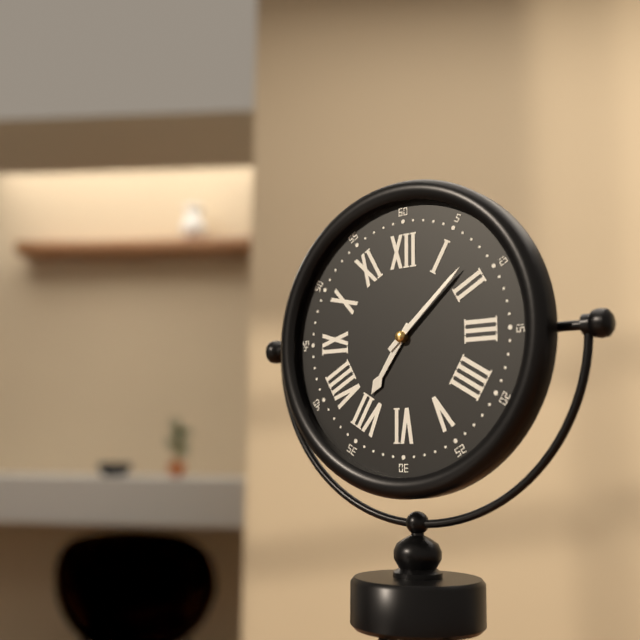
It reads 7,08
